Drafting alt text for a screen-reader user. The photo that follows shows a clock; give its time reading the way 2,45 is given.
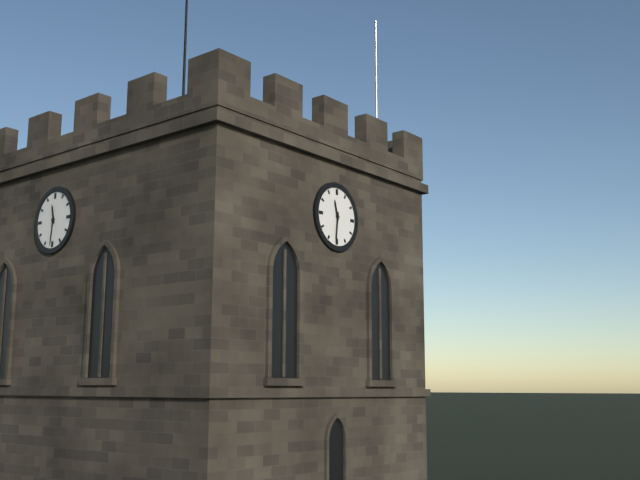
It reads 11,31
